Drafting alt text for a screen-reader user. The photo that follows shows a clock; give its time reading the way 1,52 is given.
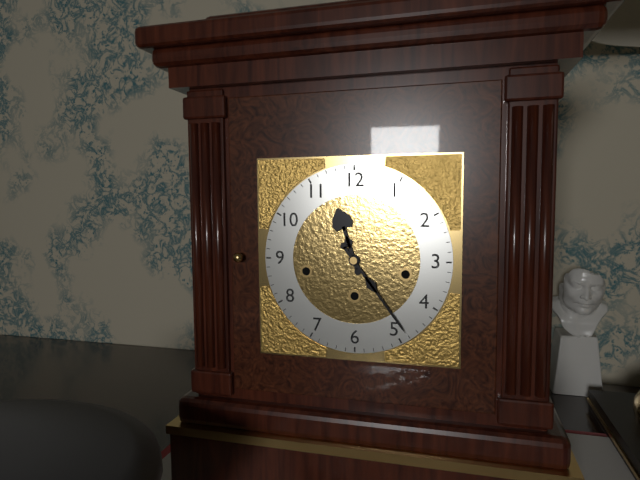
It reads 11,24
